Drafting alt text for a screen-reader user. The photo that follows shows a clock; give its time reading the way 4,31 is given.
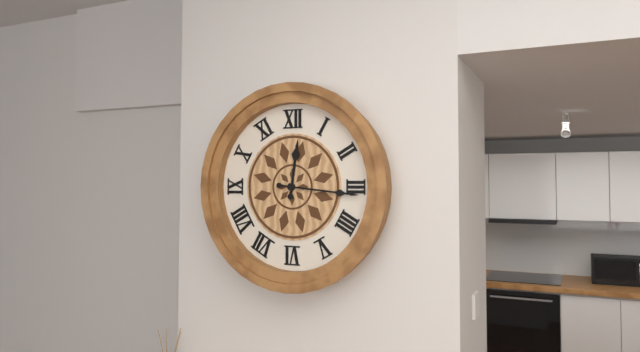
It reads 12,16
